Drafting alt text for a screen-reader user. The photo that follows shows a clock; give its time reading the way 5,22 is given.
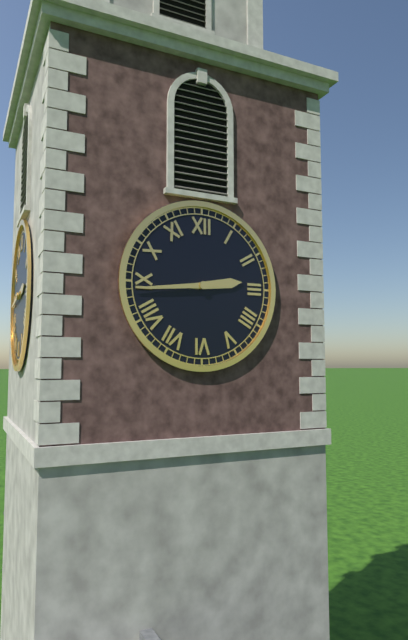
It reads 2,44
